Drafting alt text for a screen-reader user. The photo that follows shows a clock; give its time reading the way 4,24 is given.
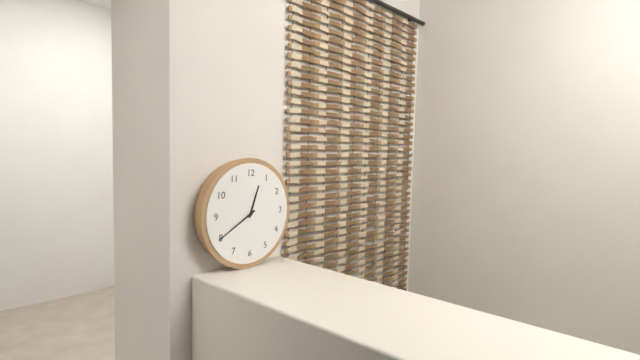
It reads 12,40
